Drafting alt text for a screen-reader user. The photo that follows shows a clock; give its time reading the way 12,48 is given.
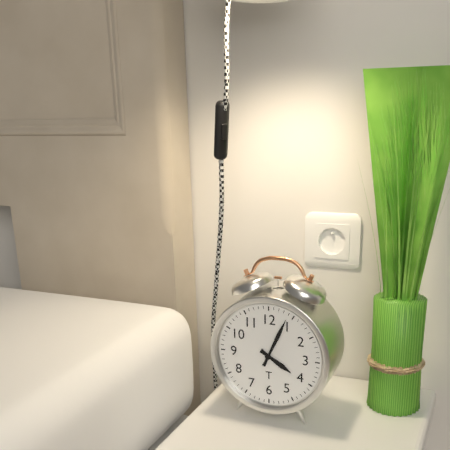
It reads 4,04
